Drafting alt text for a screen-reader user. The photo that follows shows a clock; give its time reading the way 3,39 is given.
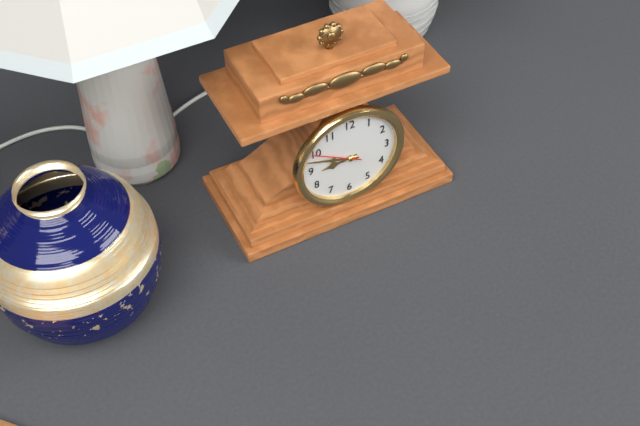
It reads 8,48
